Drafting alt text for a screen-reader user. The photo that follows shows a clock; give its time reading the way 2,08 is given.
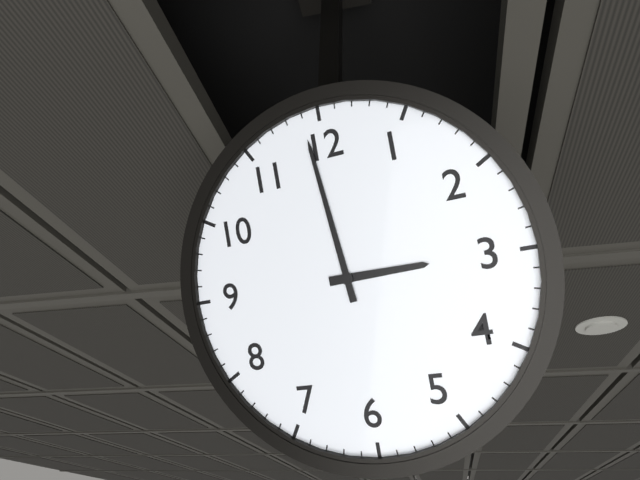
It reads 2,59
